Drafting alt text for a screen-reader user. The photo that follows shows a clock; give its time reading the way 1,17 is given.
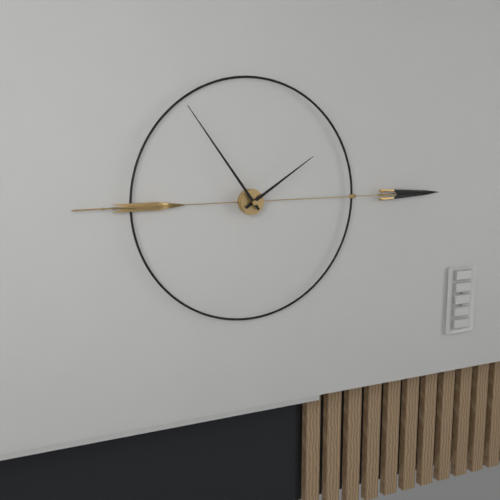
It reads 1,54
